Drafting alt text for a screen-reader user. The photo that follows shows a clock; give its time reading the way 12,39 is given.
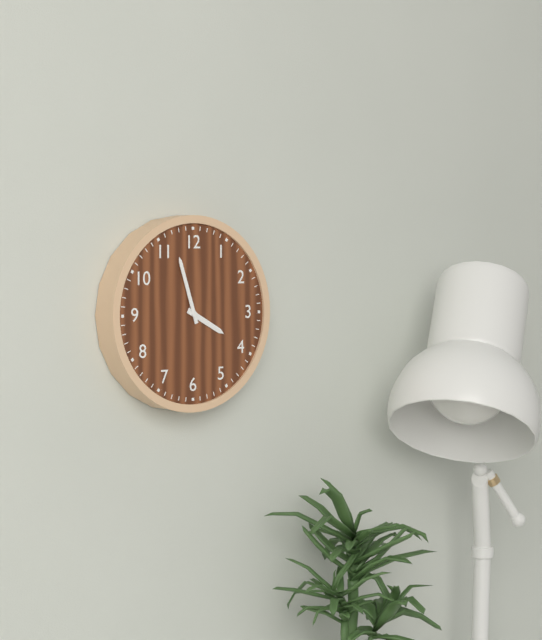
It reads 3,57
